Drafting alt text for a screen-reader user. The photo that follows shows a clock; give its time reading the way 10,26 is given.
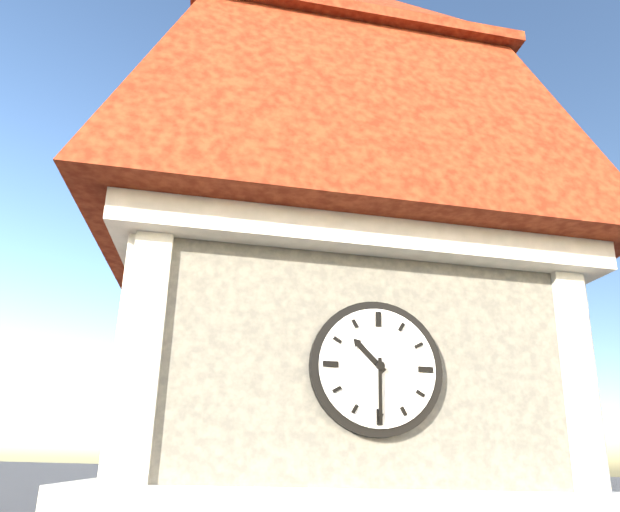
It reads 10,30
